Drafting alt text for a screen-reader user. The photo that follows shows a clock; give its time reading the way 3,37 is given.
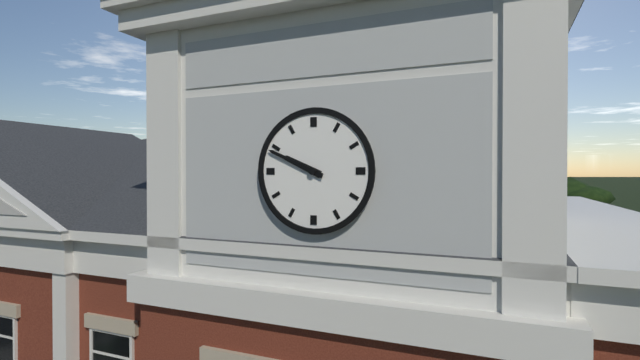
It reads 9,49
